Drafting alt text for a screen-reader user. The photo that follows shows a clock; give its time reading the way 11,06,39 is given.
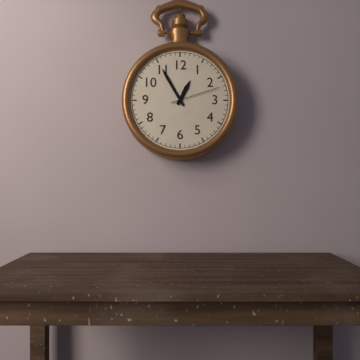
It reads 12,55,12
